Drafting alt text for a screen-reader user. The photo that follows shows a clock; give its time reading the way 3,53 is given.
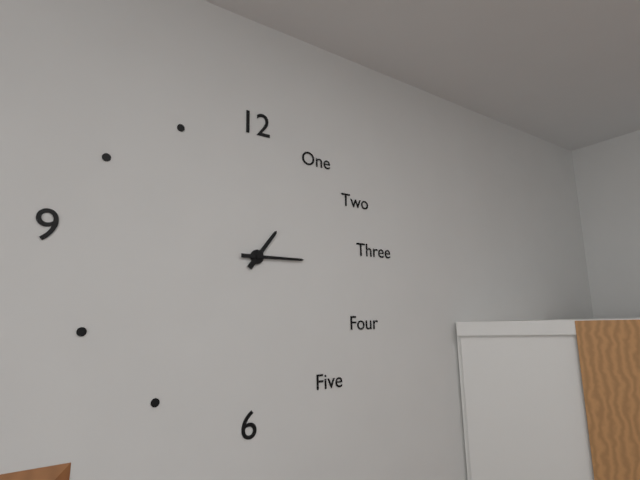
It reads 1,15
